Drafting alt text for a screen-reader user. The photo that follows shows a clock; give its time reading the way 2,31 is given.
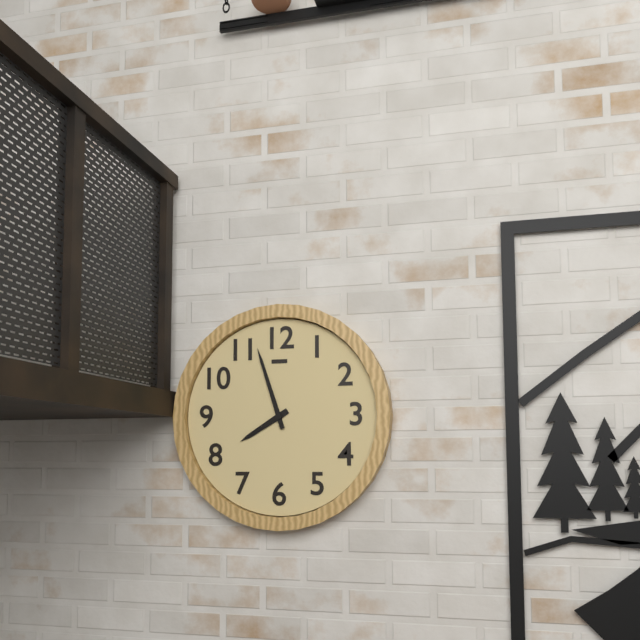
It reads 7,57
